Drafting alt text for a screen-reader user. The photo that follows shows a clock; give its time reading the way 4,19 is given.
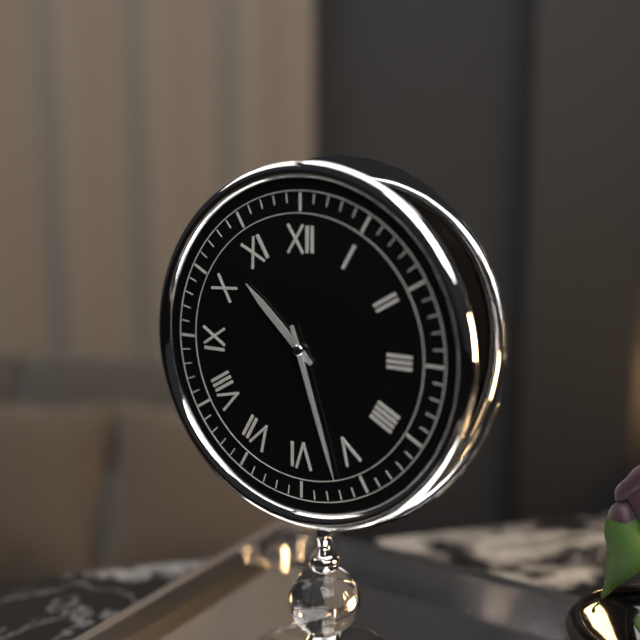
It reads 10,27
